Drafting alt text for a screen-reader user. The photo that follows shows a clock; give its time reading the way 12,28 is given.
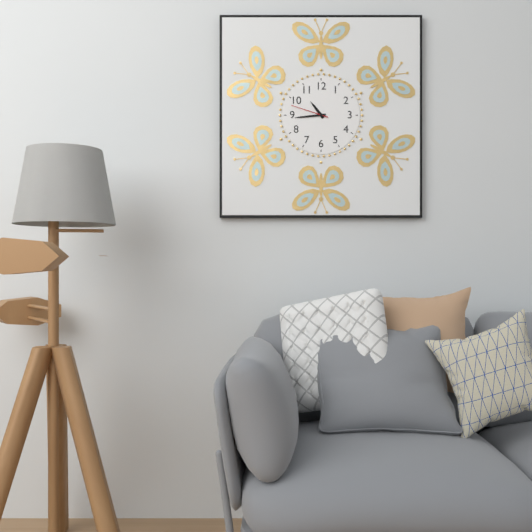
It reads 10,44
